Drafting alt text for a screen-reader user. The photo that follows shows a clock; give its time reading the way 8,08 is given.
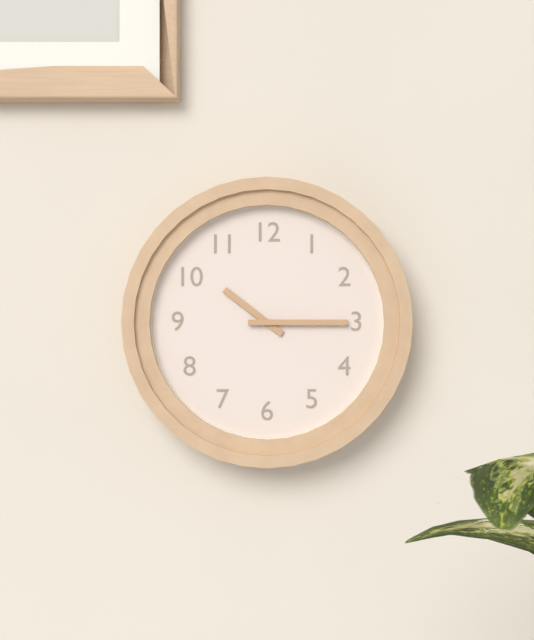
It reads 10,15
